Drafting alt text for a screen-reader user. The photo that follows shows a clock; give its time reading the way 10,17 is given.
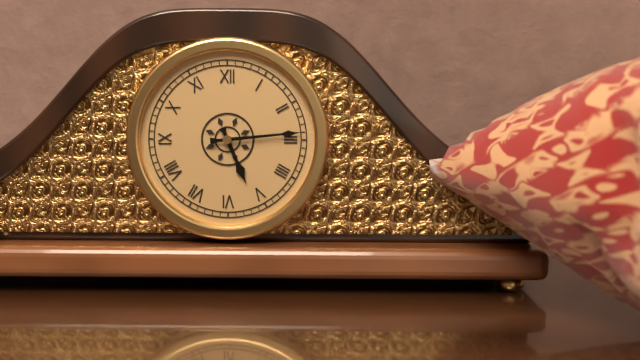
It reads 5,14
